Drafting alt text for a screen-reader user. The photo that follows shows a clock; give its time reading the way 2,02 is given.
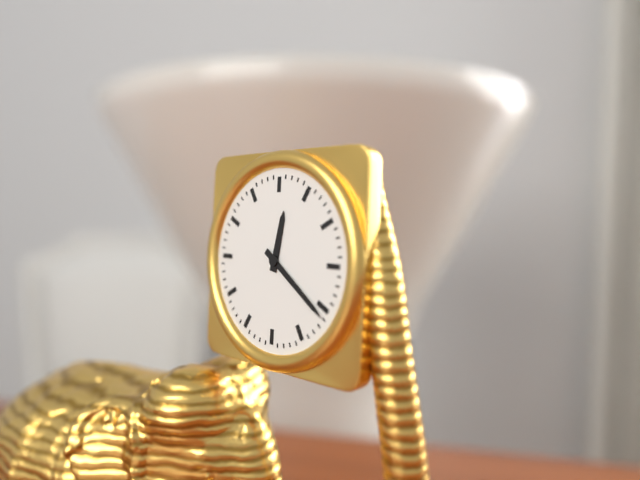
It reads 12,21
